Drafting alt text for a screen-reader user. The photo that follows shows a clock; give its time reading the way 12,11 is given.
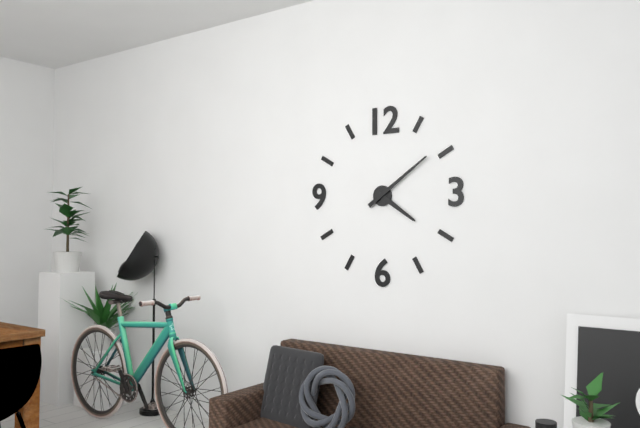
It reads 4,09
